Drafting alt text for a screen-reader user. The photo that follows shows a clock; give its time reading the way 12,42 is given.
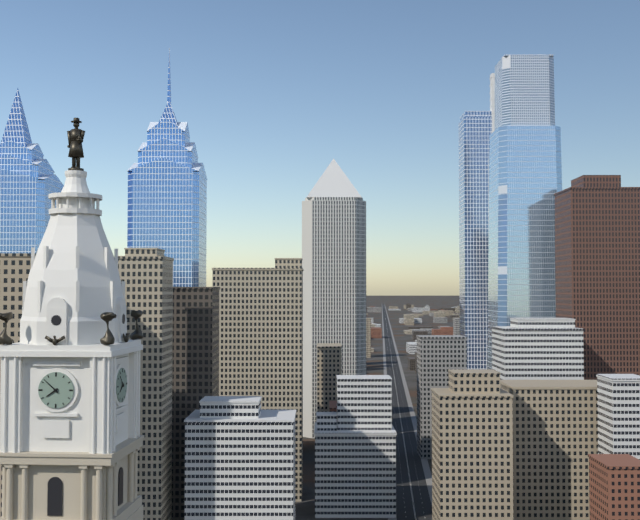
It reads 7,52
